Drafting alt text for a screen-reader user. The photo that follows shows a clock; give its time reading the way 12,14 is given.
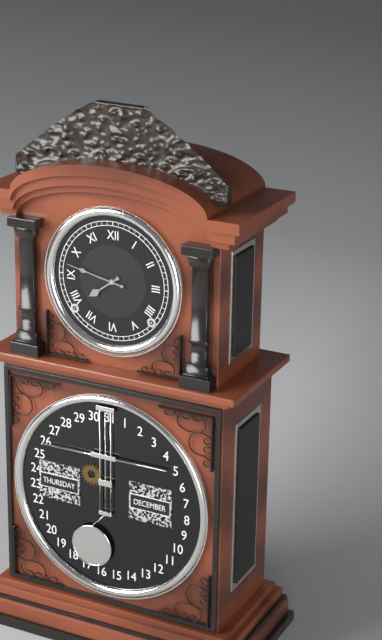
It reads 7,47
